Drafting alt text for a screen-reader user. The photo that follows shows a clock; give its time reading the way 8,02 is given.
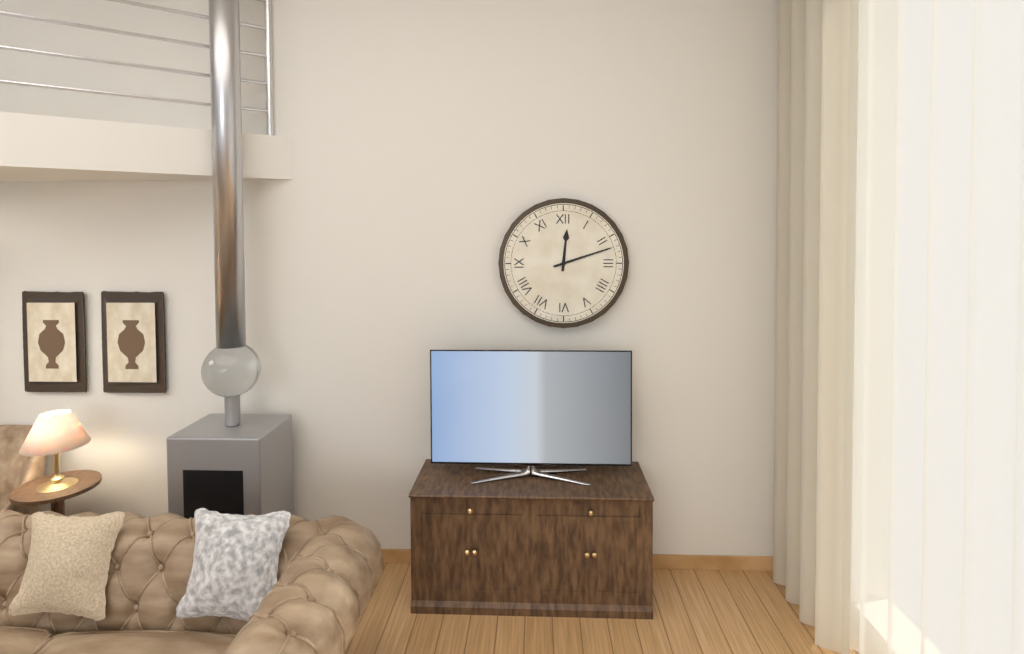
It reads 12,12
